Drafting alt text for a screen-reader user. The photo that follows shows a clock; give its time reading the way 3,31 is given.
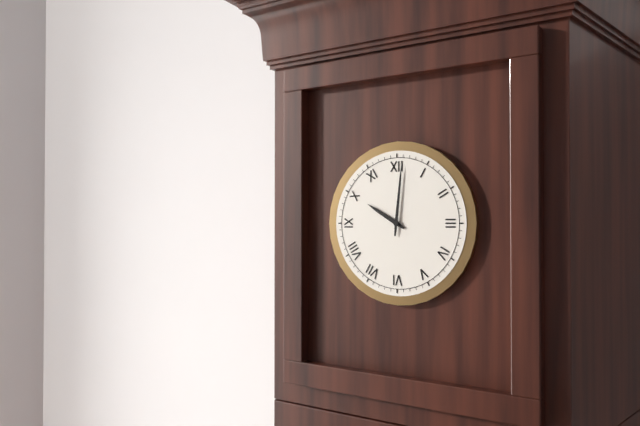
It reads 10,01
